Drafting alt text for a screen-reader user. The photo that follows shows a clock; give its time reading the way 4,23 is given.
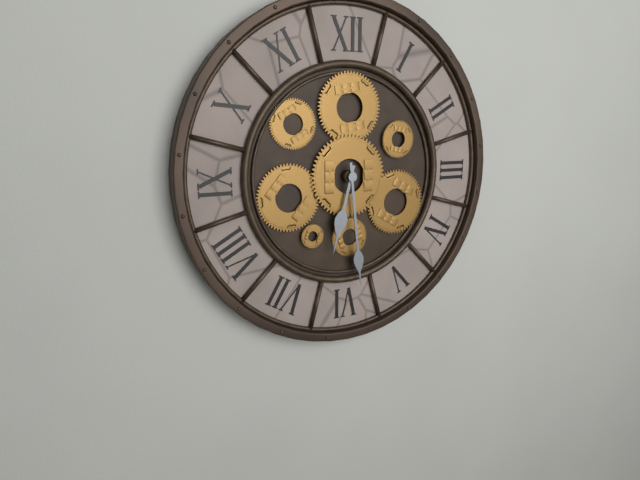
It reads 6,29
